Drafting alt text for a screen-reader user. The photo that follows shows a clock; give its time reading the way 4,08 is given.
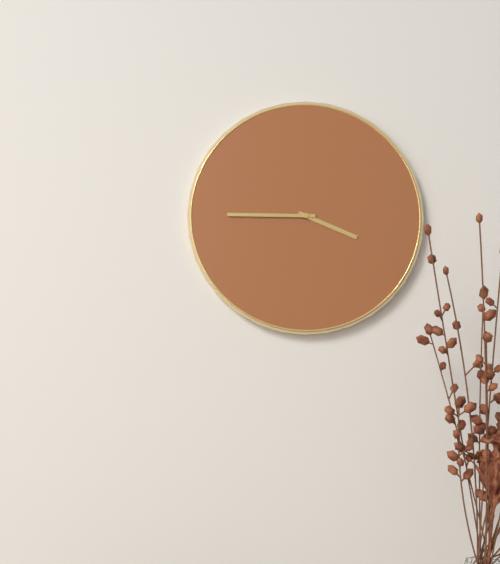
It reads 3,45
